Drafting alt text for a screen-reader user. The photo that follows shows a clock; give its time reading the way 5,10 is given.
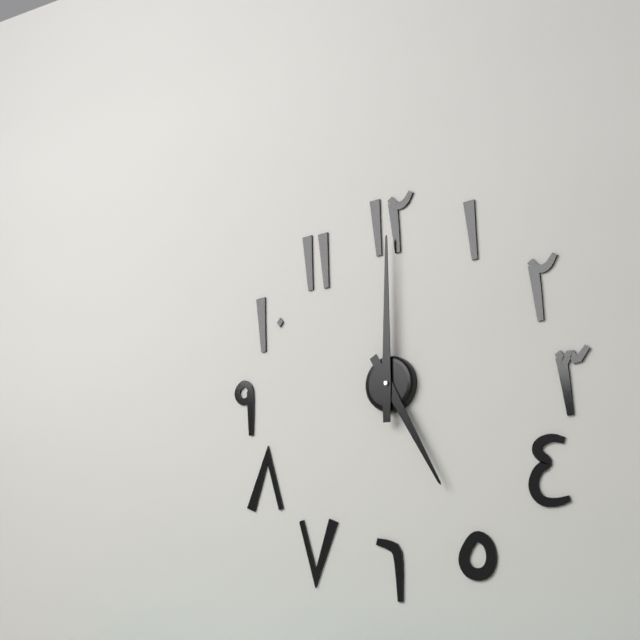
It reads 5,00
